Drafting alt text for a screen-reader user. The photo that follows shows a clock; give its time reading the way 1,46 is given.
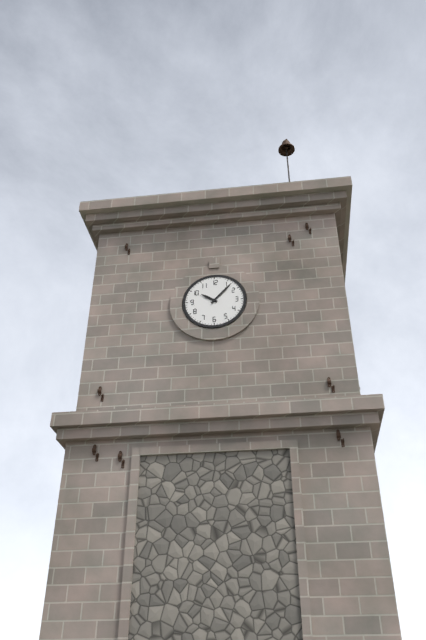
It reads 10,07
